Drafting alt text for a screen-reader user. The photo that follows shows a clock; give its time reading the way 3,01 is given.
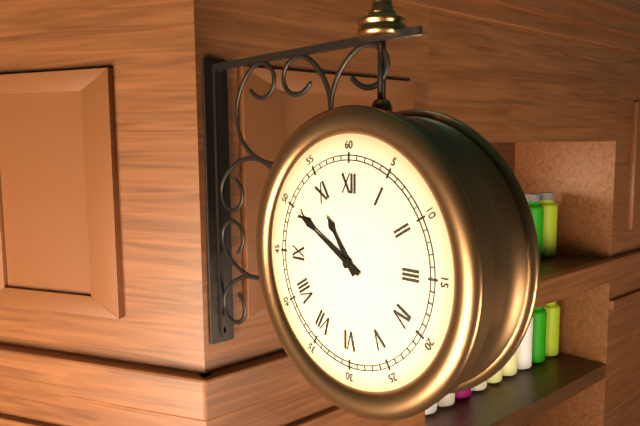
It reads 10,50
